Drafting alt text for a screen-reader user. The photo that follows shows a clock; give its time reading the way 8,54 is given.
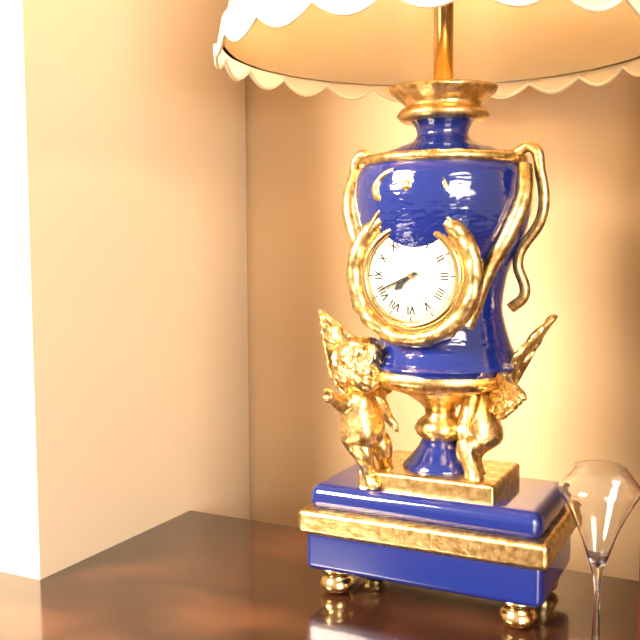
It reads 7,41
